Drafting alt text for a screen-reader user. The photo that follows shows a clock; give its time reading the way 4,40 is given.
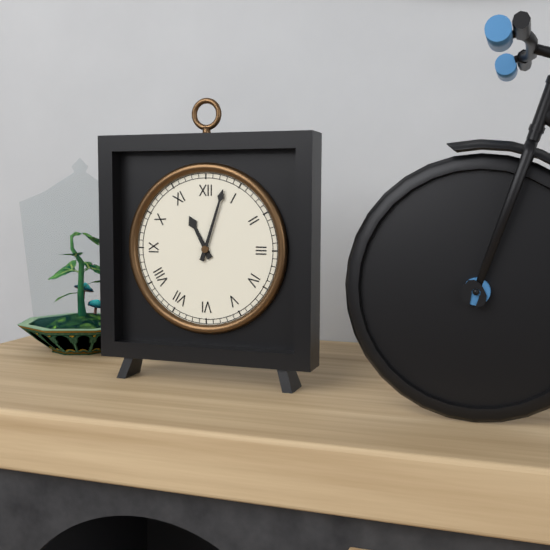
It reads 11,03
